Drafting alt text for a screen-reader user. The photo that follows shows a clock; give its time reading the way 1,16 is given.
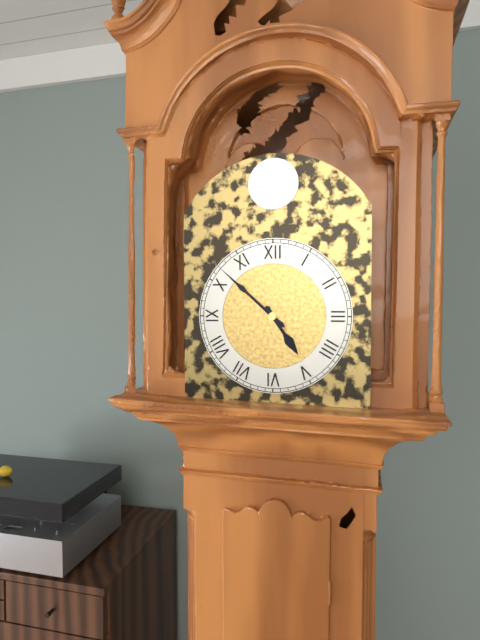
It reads 4,52
